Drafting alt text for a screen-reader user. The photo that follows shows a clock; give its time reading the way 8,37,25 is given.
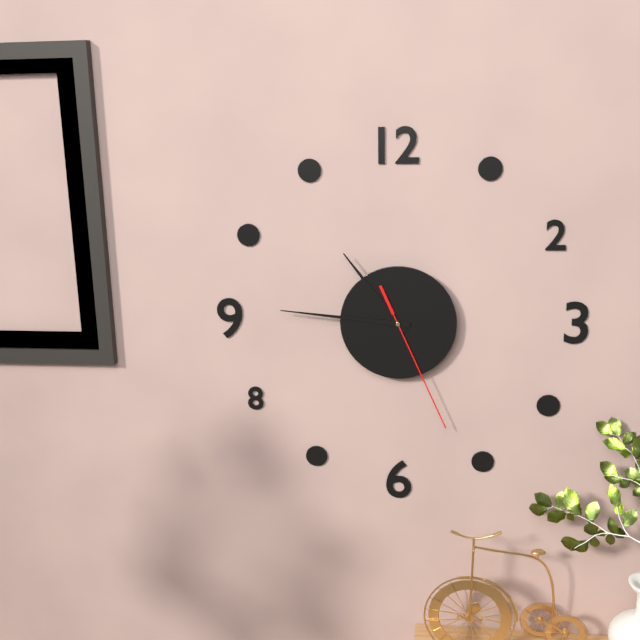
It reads 10,46,26
